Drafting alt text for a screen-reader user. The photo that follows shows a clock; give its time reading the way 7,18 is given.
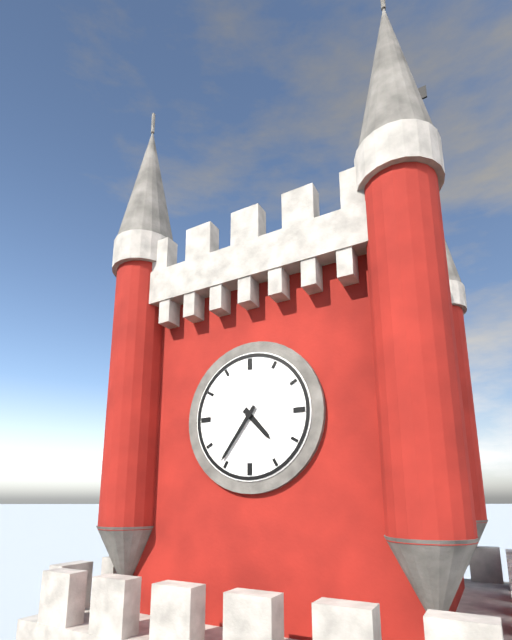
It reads 4,36
